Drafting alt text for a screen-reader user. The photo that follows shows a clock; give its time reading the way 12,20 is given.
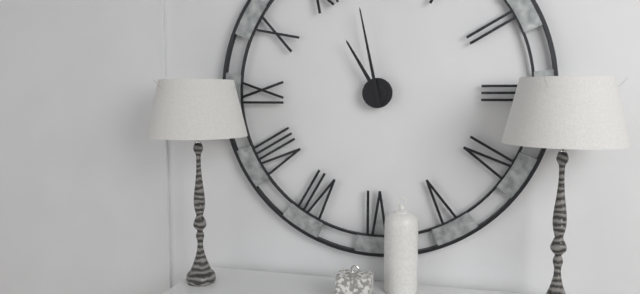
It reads 10,58
